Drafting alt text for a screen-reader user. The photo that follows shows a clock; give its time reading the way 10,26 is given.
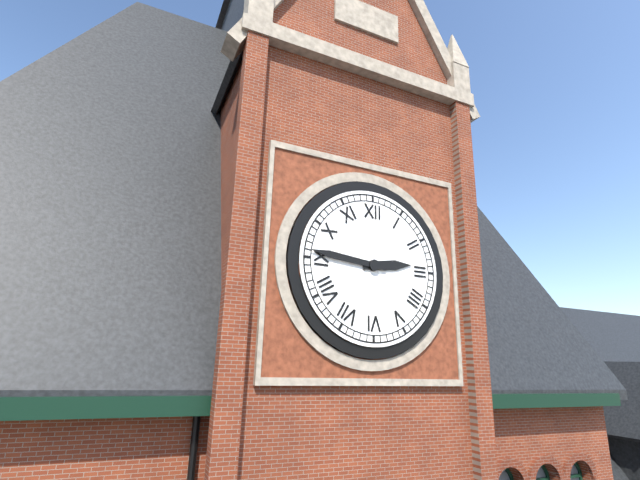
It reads 2,46
